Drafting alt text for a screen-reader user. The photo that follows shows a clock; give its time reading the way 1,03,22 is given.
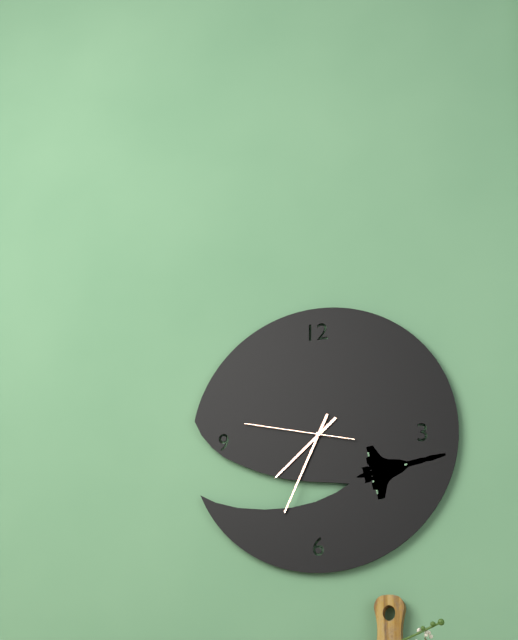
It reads 7,34,47
